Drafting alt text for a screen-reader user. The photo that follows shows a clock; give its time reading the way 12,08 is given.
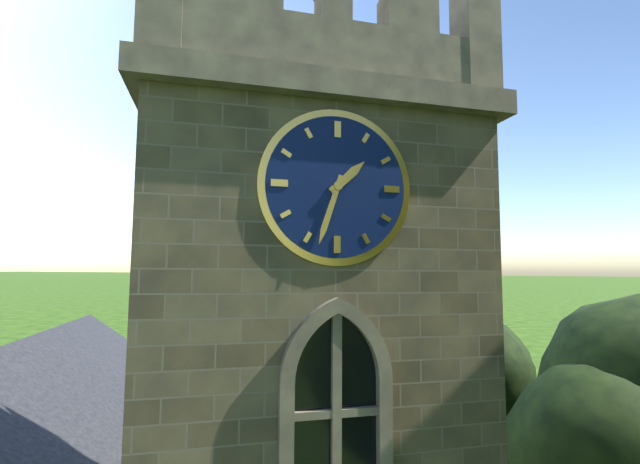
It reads 1,33
